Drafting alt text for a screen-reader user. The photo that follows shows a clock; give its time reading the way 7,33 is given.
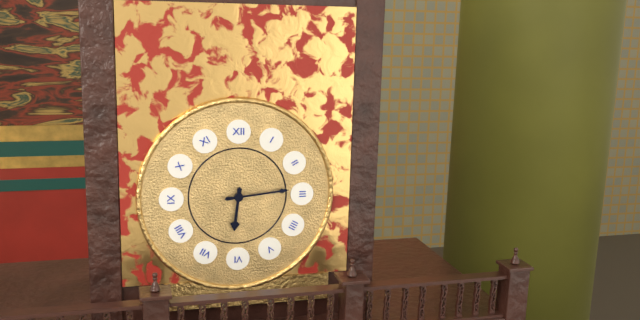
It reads 6,14
